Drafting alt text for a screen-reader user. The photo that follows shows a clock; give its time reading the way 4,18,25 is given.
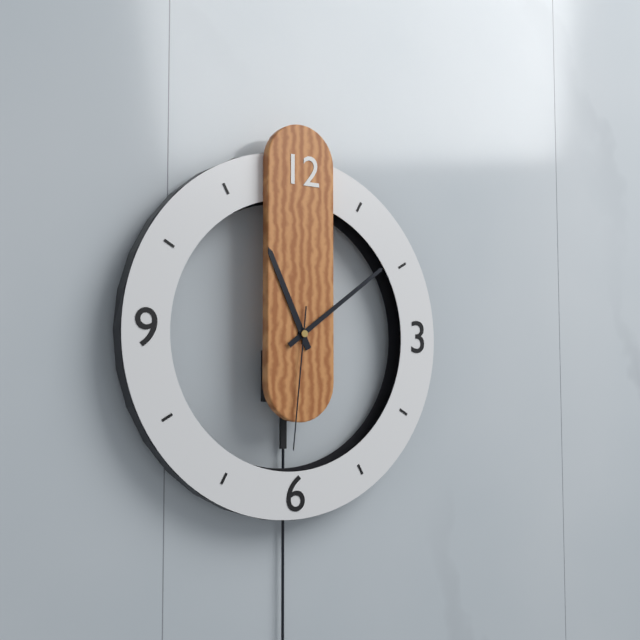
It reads 11,09,31
